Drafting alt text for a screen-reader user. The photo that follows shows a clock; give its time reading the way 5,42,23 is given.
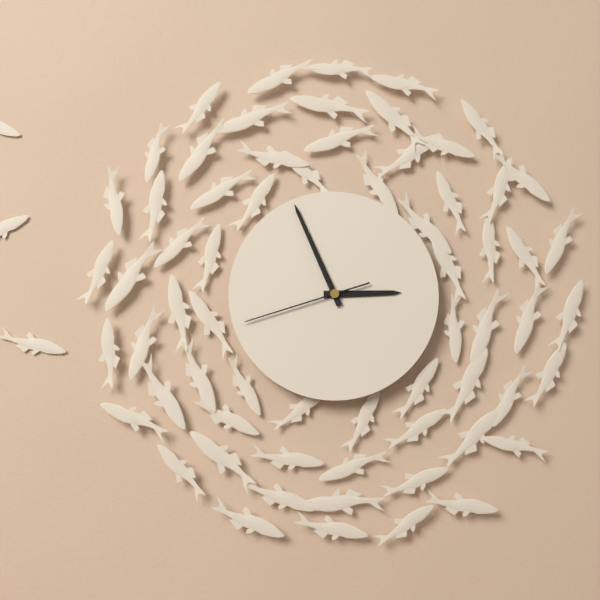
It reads 2,56,42
